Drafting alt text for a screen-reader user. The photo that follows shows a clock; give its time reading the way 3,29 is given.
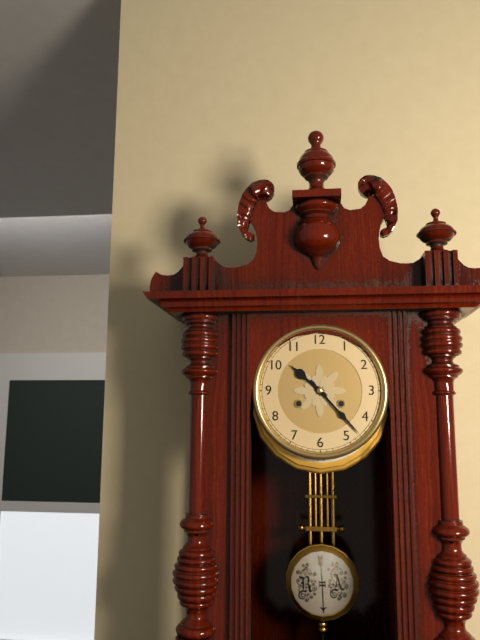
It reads 10,23
